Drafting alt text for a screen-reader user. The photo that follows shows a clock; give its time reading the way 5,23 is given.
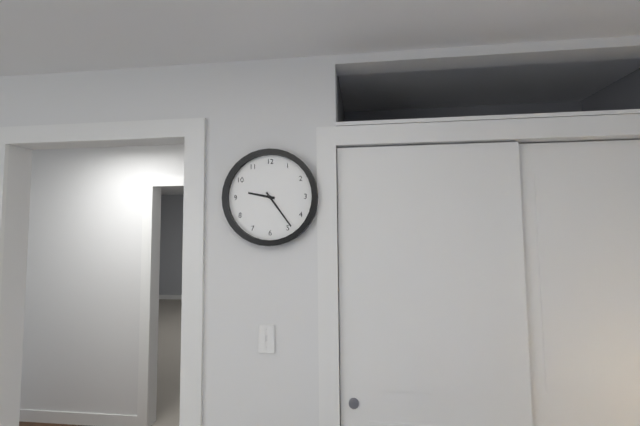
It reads 9,24
